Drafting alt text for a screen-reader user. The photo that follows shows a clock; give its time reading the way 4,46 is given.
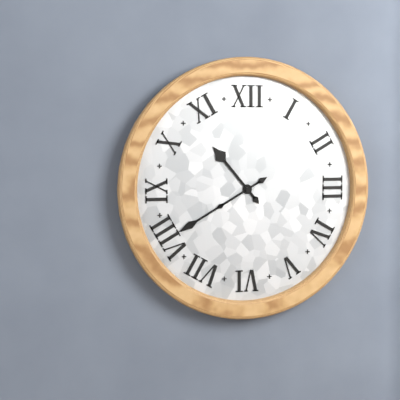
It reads 10,40
